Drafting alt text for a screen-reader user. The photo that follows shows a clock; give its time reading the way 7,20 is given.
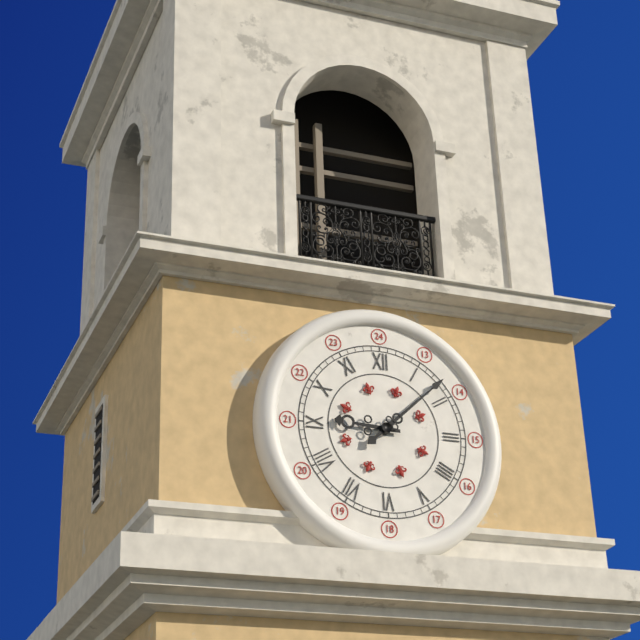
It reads 9,08
